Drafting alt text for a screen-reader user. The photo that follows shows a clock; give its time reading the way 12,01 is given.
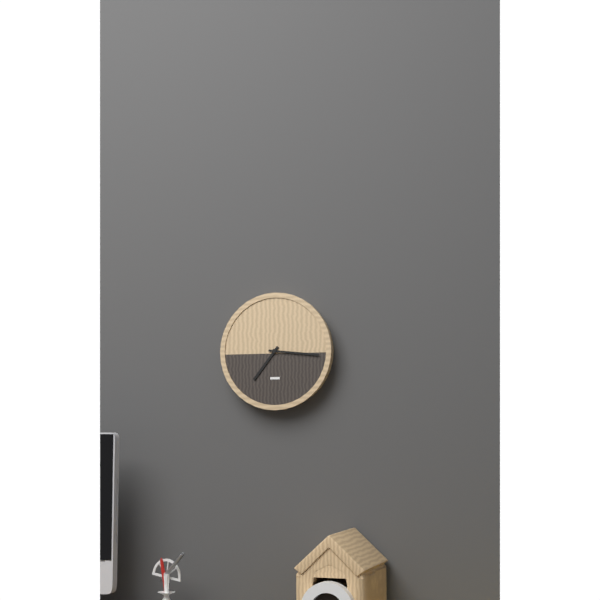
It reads 7,16
